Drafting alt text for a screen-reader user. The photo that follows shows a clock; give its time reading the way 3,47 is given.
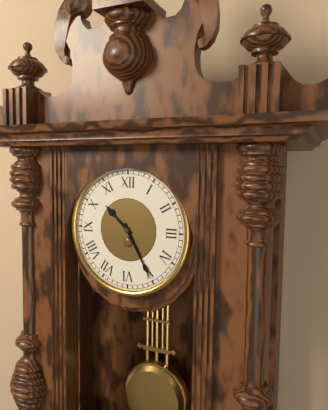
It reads 10,25
